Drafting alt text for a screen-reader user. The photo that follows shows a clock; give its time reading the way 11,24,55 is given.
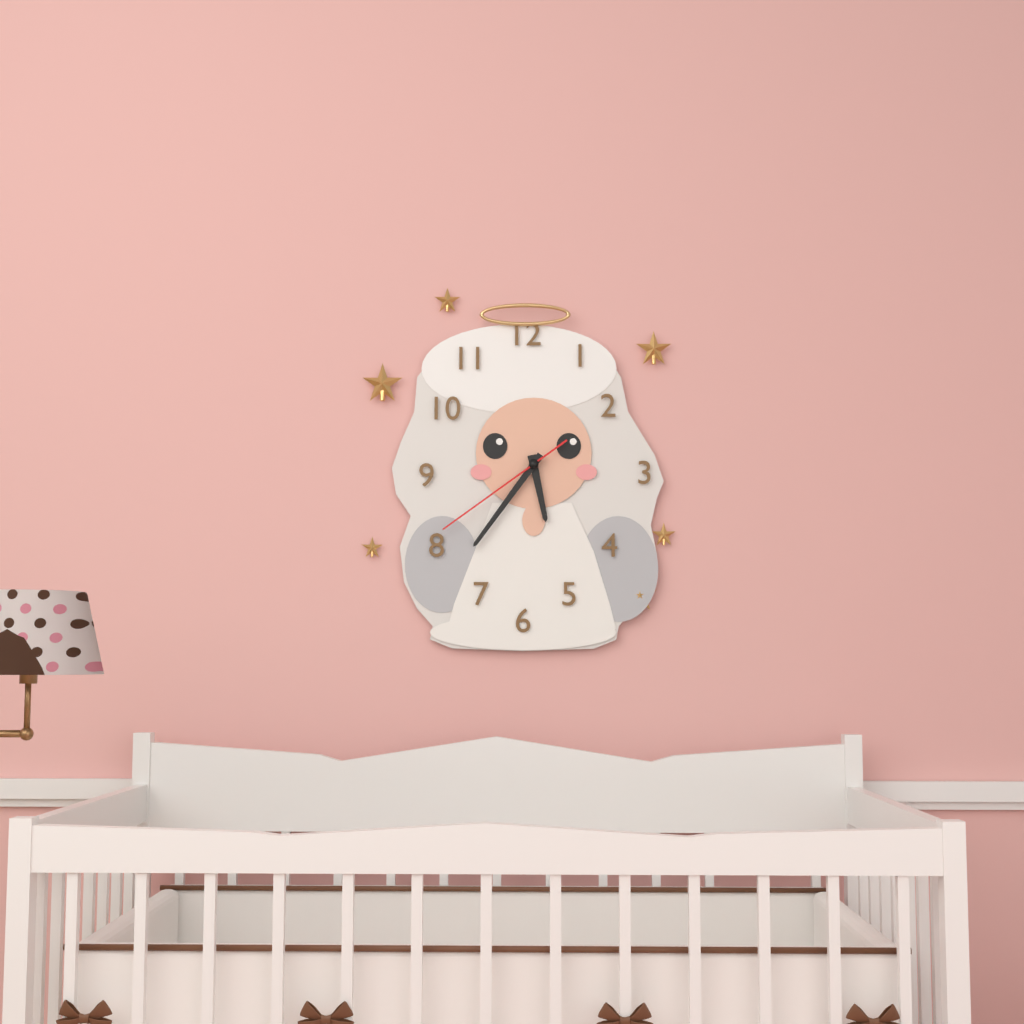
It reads 5,36,39
